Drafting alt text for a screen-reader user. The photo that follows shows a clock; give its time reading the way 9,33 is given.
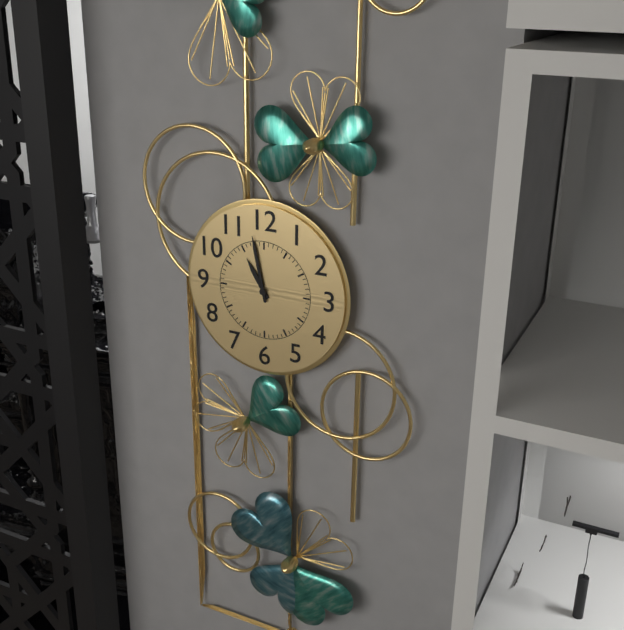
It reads 10,58
